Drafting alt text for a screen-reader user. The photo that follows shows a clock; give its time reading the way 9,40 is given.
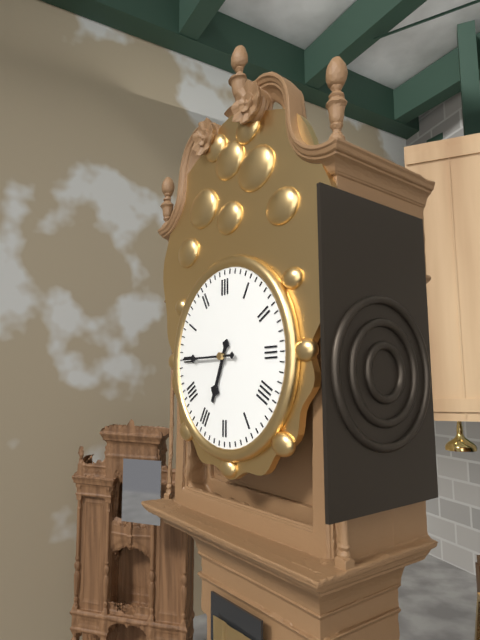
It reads 6,45
